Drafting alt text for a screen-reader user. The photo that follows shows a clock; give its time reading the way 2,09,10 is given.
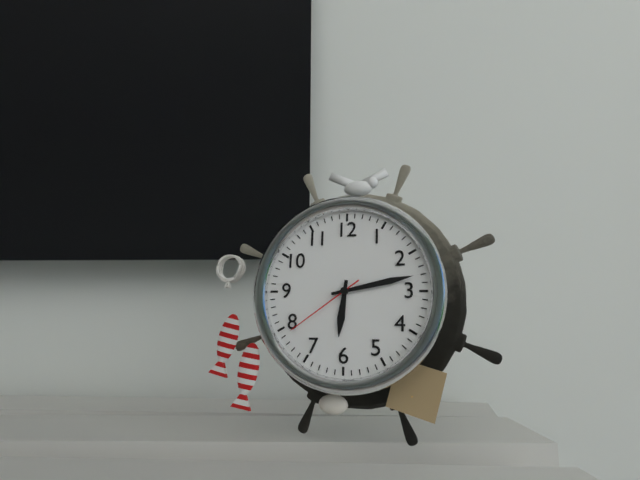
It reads 6,13,39
